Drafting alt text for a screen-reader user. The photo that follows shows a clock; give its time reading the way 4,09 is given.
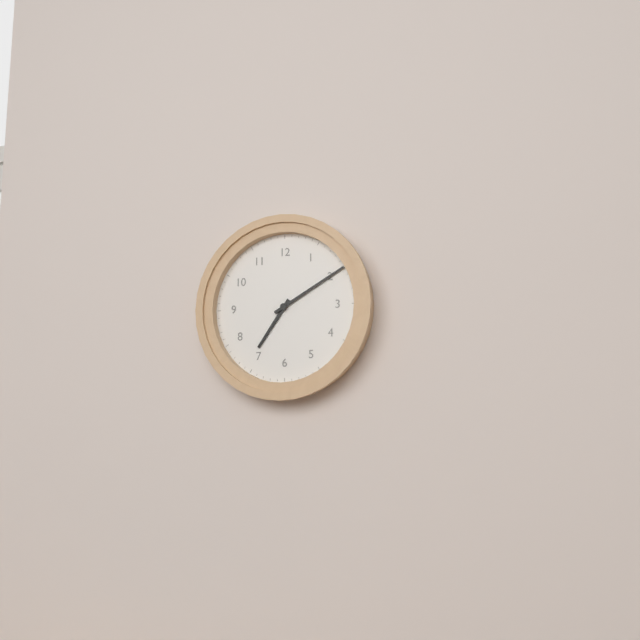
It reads 7,10
